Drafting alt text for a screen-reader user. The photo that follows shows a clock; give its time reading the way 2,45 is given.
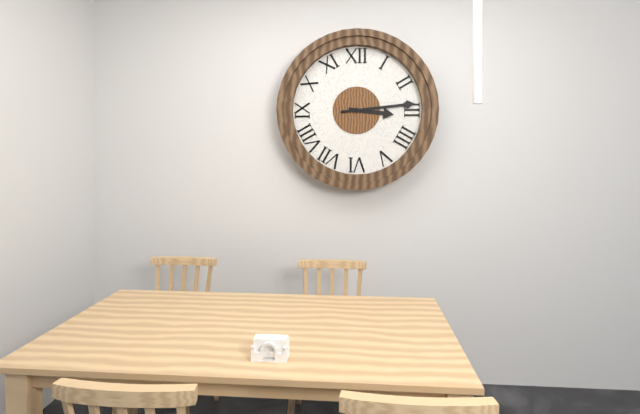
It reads 3,14
